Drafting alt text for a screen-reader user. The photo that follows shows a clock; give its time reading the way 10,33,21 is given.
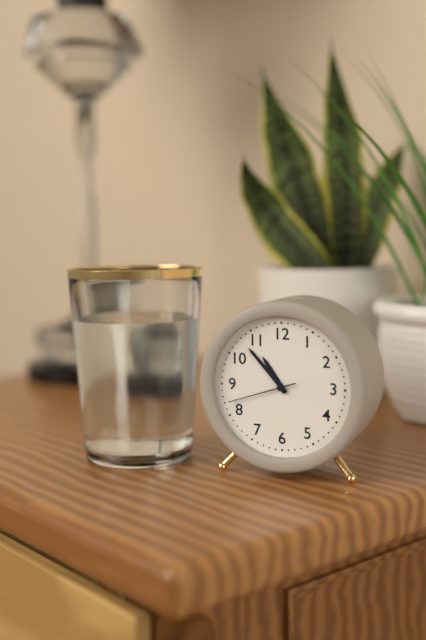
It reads 10,53,42
